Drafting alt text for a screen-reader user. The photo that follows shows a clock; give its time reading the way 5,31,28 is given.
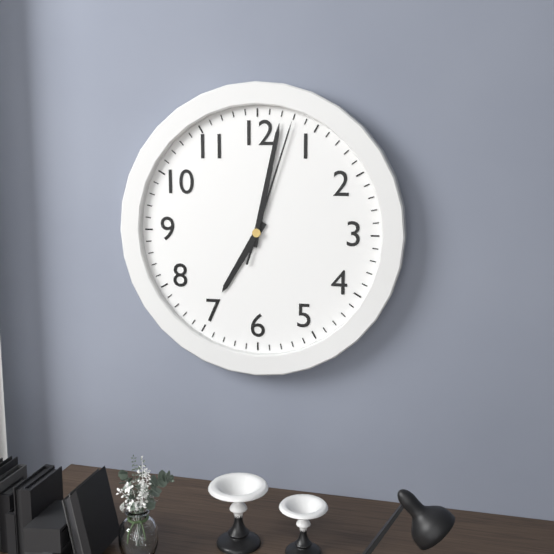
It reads 7,02,03
